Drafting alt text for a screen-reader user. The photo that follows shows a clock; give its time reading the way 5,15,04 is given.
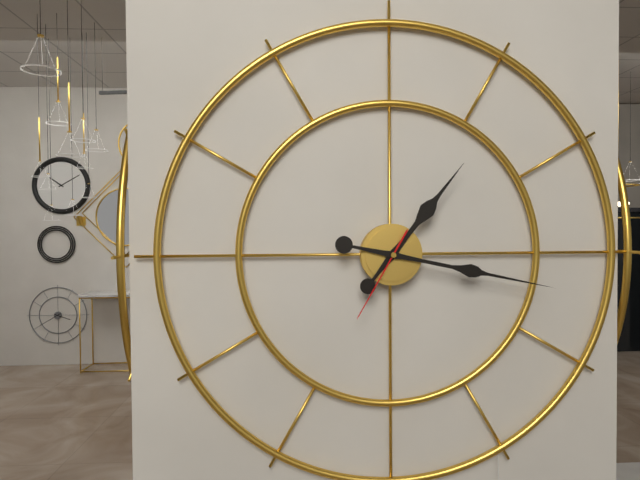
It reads 1,17,35
